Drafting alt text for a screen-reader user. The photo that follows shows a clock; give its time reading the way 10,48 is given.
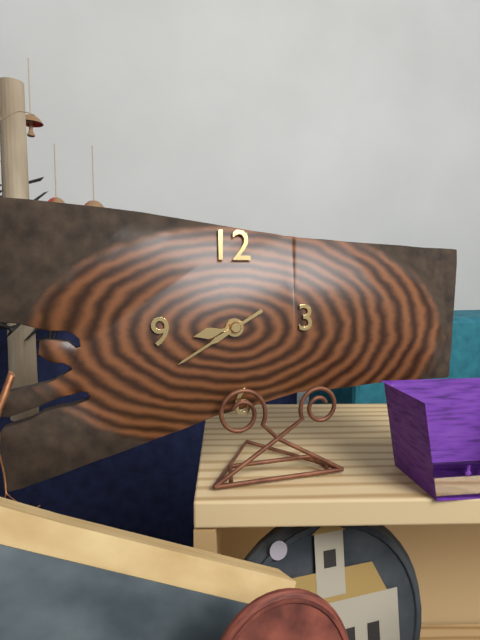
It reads 8,40
